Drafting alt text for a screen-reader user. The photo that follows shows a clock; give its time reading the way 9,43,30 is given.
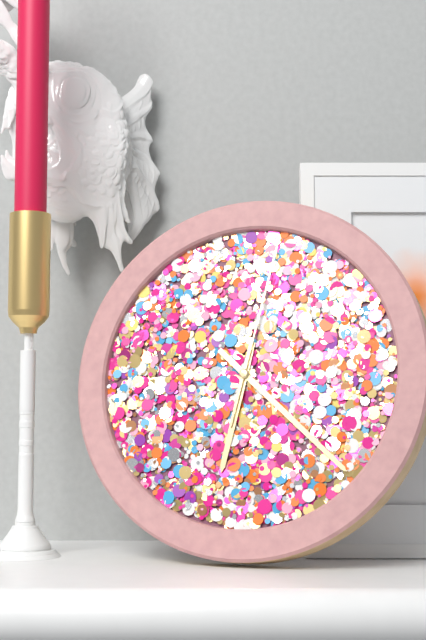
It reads 6,22,02
